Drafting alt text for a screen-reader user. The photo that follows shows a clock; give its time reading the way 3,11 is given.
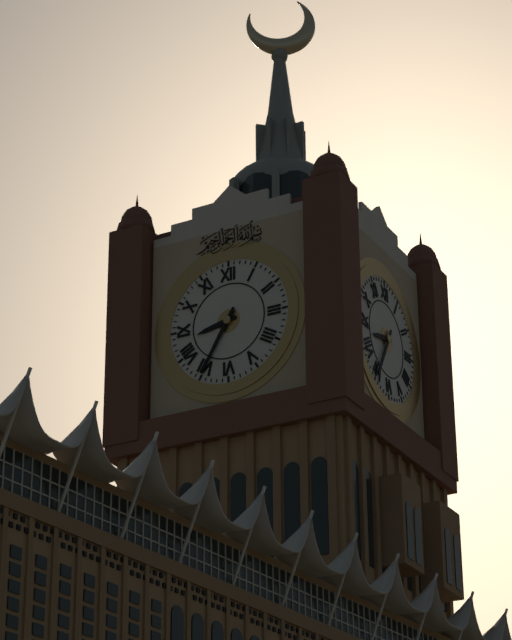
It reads 8,35
